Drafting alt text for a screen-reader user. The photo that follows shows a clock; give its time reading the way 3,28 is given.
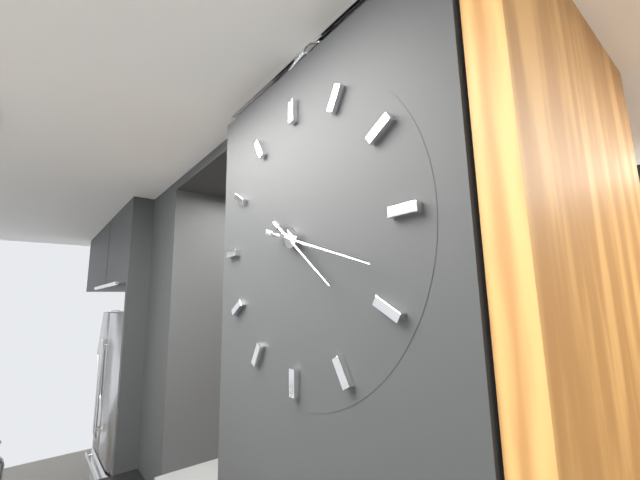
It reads 4,18
